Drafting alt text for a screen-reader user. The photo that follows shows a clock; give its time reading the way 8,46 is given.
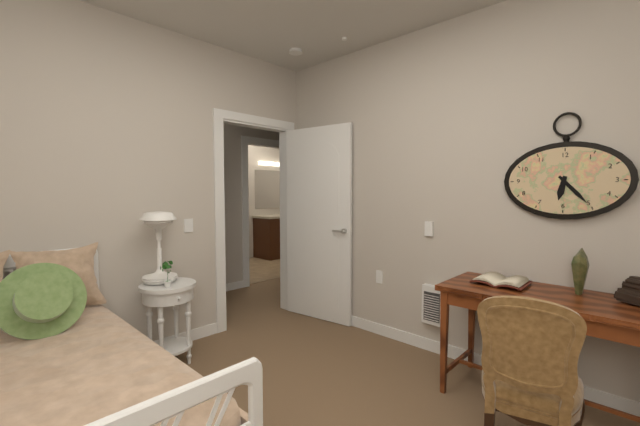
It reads 6,23
